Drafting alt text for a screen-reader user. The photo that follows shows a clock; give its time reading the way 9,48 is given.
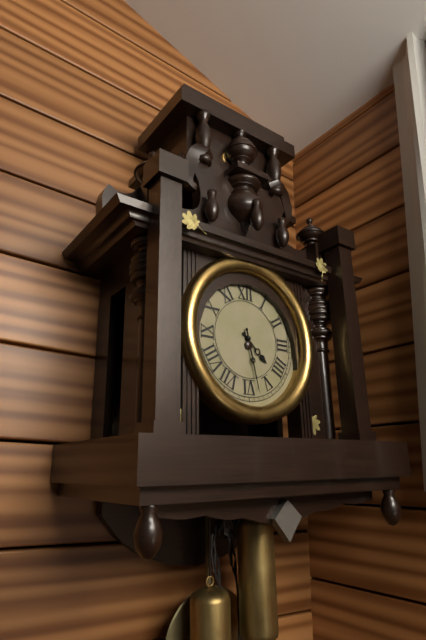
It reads 4,28
